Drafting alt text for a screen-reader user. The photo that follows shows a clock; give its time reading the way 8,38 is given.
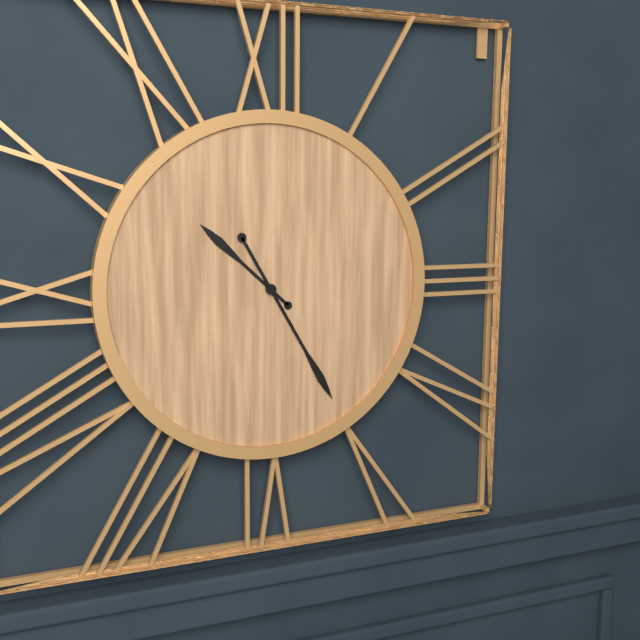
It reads 10,25
